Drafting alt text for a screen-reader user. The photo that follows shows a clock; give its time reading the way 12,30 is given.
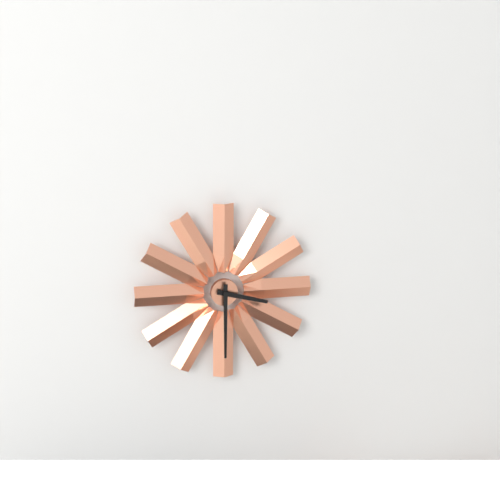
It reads 3,30
